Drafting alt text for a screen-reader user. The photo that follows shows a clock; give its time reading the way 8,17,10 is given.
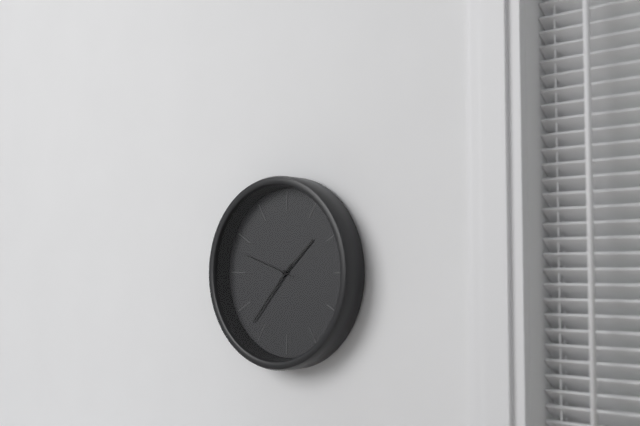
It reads 1,37,48
